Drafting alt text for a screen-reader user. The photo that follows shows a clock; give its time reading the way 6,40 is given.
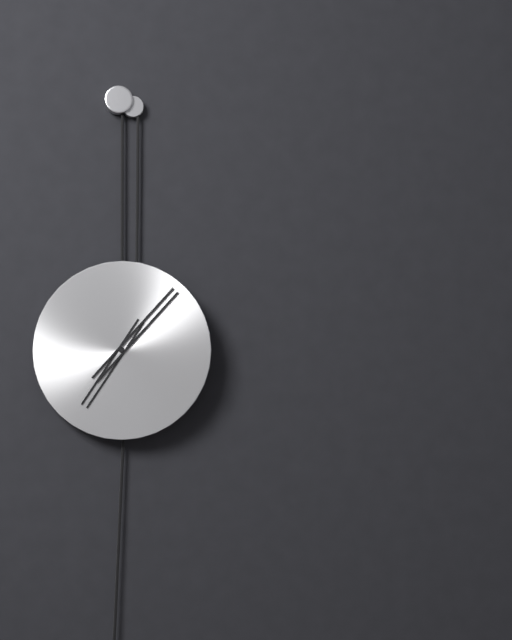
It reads 7,07
